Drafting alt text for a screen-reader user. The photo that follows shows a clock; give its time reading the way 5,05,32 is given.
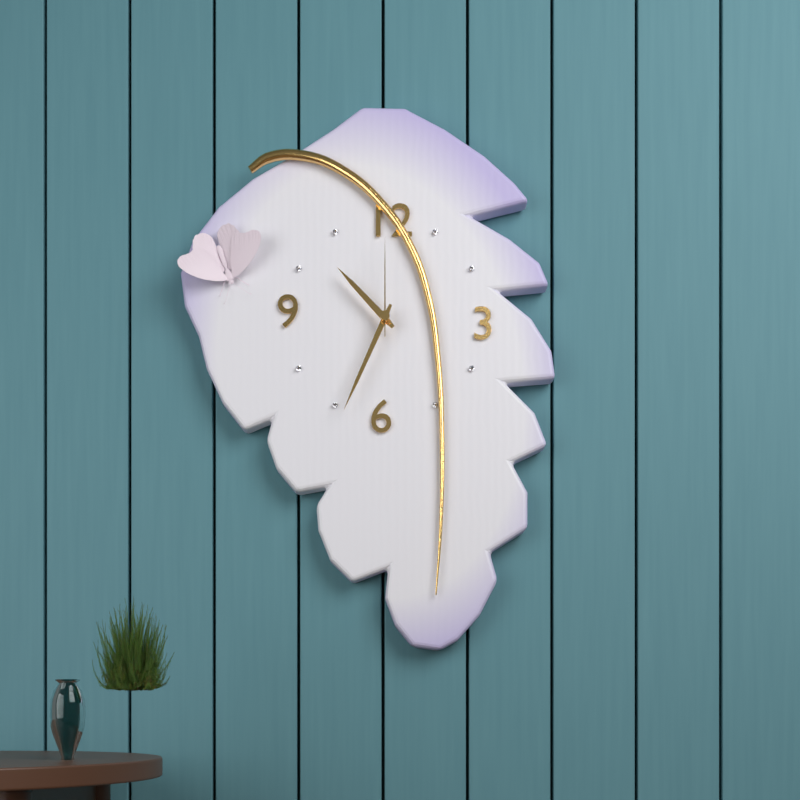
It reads 10,34,00
